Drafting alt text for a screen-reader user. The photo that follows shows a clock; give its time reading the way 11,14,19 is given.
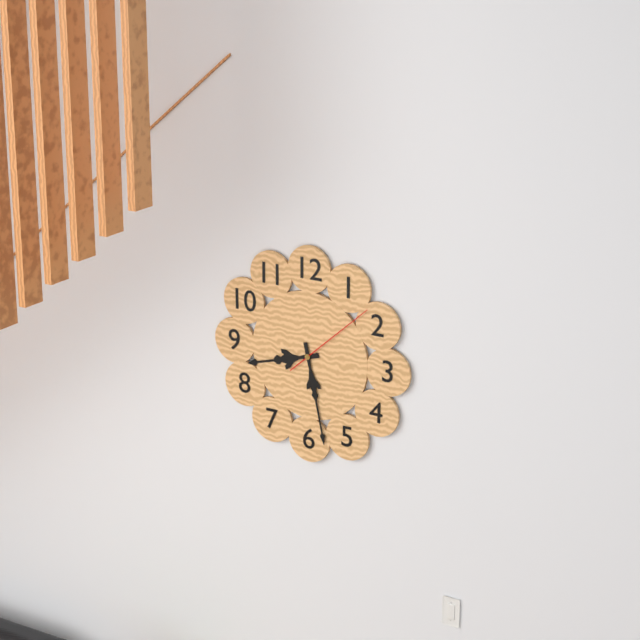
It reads 8,28,08
